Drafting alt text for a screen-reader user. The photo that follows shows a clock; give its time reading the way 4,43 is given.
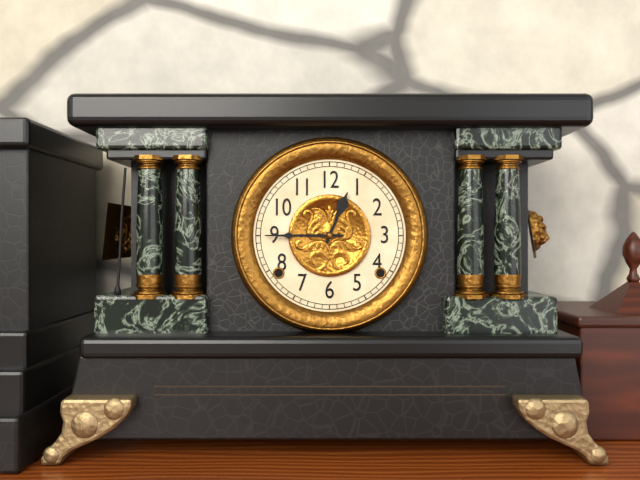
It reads 12,45
